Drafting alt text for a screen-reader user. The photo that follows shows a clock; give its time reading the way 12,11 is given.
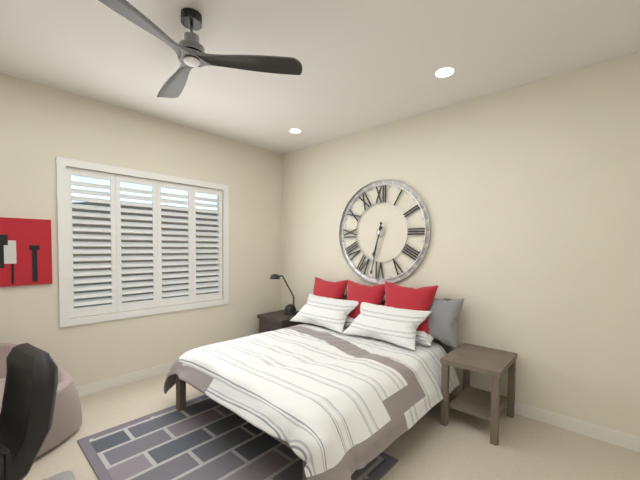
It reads 6,32
